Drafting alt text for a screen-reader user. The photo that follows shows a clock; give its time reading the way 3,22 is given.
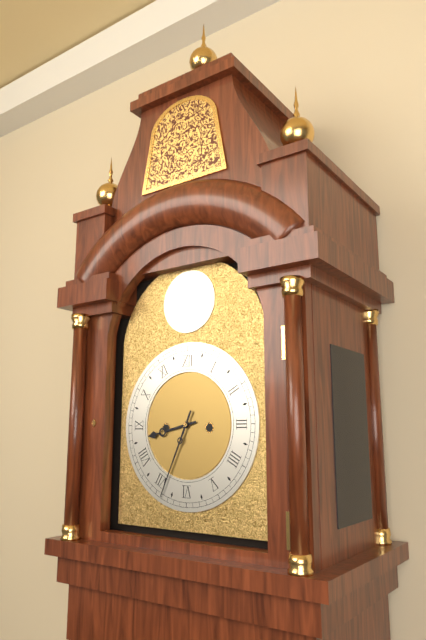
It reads 8,34
